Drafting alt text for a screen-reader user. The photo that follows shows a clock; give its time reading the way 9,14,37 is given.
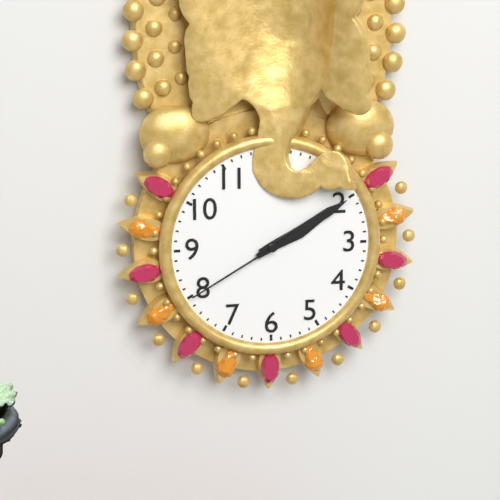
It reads 2,10,40
